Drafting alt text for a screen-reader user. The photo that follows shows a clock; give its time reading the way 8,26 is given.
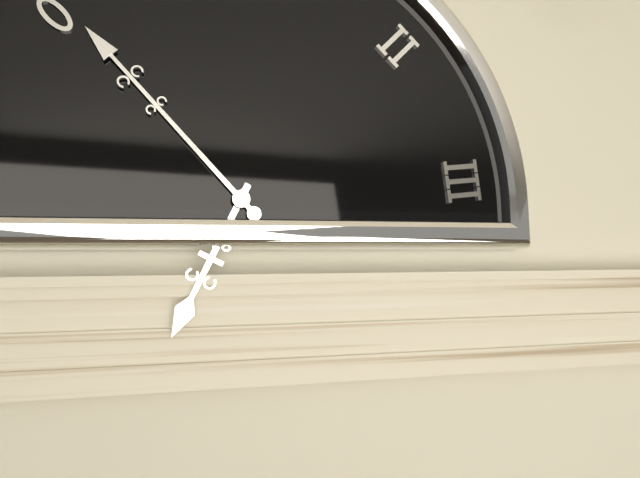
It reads 6,53
